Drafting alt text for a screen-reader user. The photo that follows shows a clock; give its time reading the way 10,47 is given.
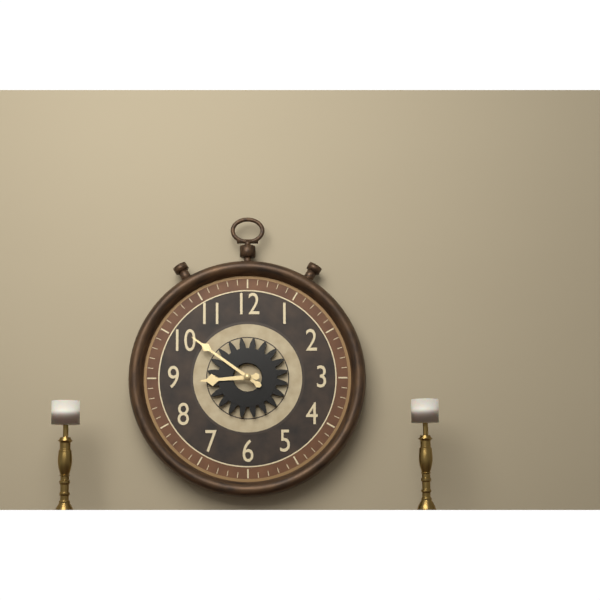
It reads 8,51
